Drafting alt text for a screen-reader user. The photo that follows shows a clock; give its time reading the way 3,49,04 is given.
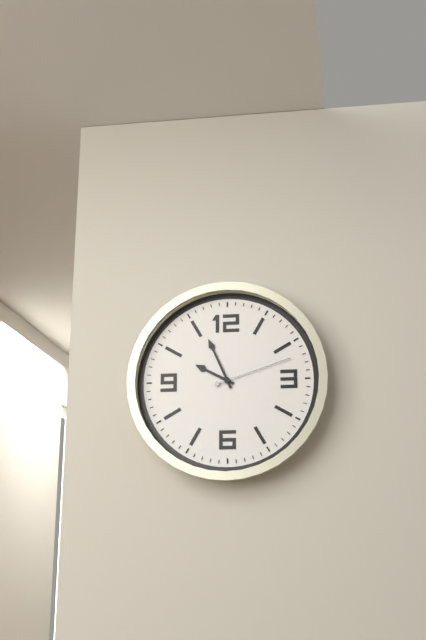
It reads 9,56,12
